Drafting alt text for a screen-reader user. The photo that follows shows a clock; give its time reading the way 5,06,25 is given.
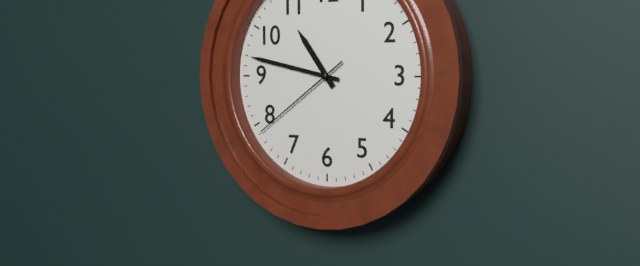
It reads 10,47,39
